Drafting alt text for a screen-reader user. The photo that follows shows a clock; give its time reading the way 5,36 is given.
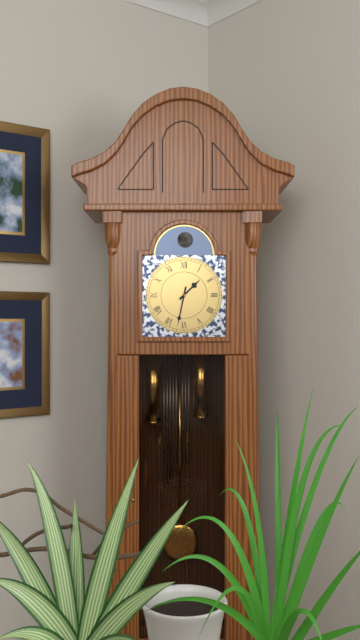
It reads 1,32
